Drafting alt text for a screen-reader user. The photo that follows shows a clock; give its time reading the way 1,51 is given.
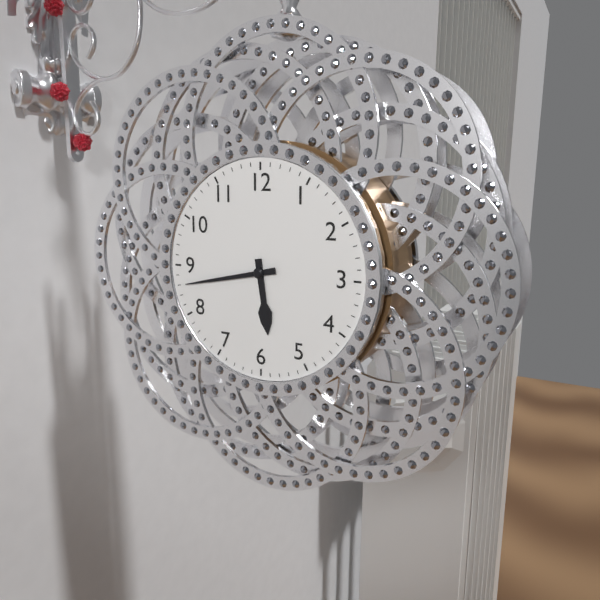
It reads 5,43
